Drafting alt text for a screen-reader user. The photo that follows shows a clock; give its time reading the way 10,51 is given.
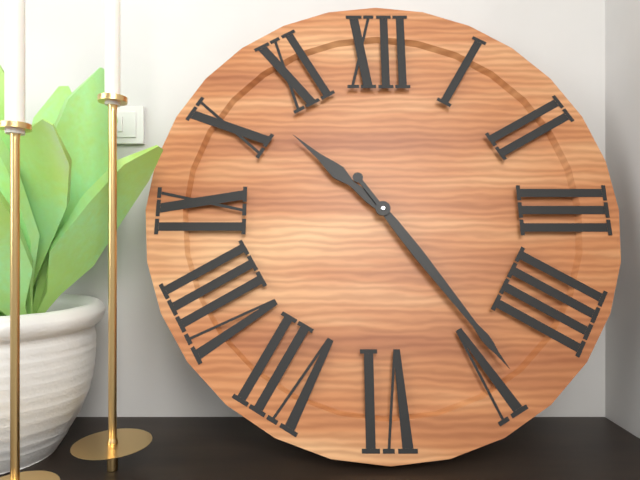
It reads 10,24
